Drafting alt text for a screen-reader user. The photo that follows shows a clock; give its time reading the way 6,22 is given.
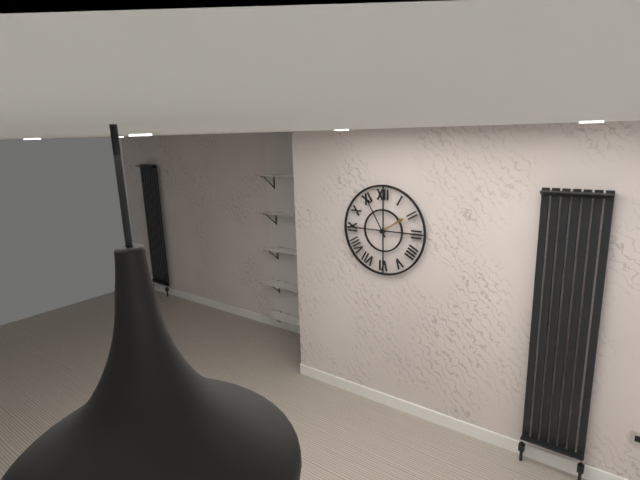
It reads 1,55
